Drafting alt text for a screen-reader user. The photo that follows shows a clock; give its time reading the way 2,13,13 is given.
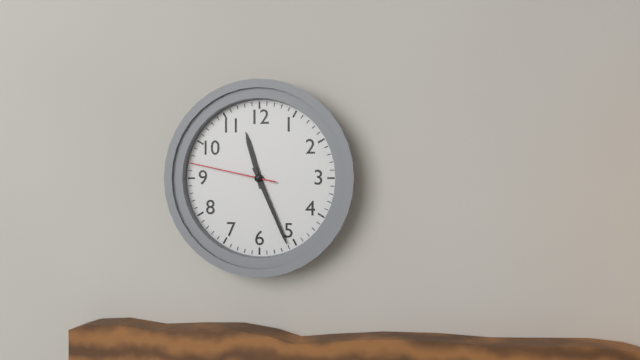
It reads 11,26,47
